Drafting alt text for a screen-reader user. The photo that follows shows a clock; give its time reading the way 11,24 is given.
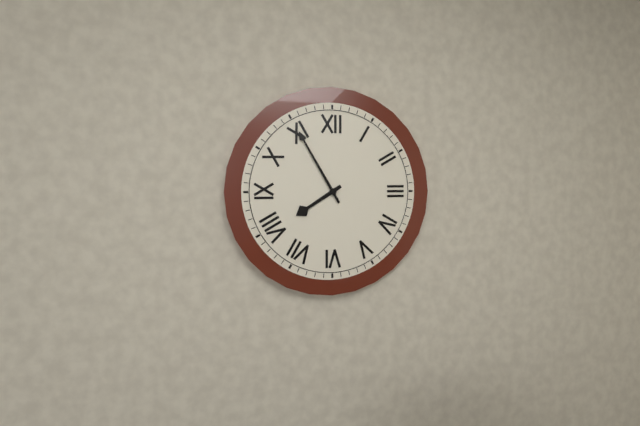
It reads 7,55
